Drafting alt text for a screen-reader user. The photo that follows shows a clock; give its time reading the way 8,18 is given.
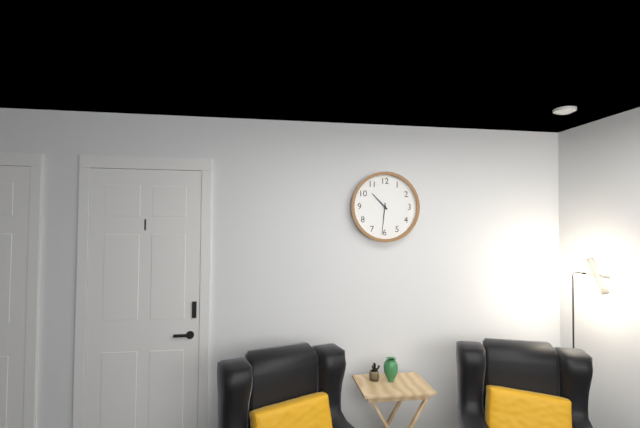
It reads 10,31
